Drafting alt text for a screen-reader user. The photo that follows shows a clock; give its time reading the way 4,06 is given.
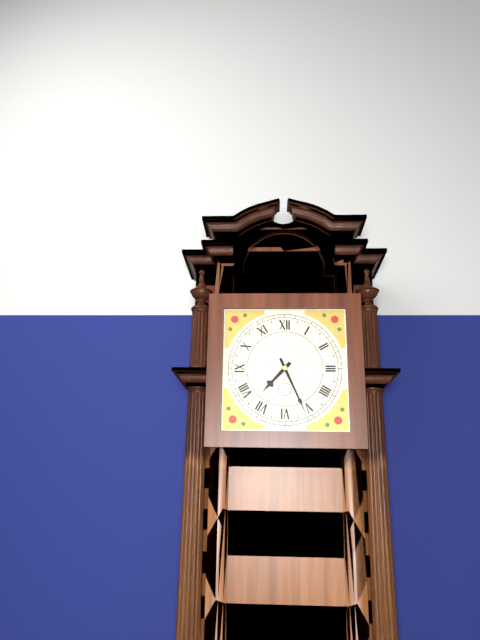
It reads 7,26
